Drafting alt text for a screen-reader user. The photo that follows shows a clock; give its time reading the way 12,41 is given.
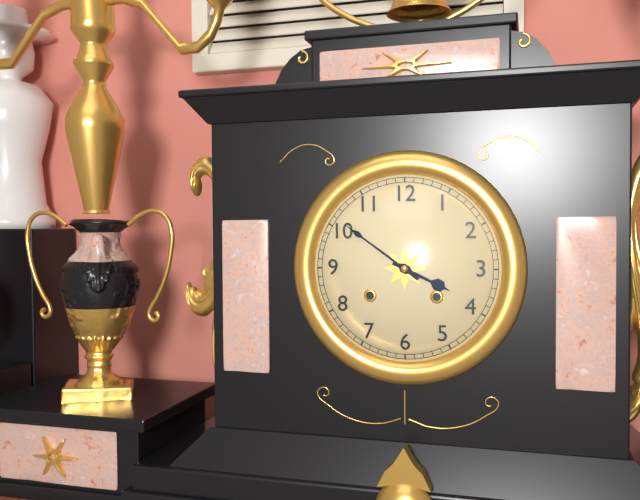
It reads 3,51
